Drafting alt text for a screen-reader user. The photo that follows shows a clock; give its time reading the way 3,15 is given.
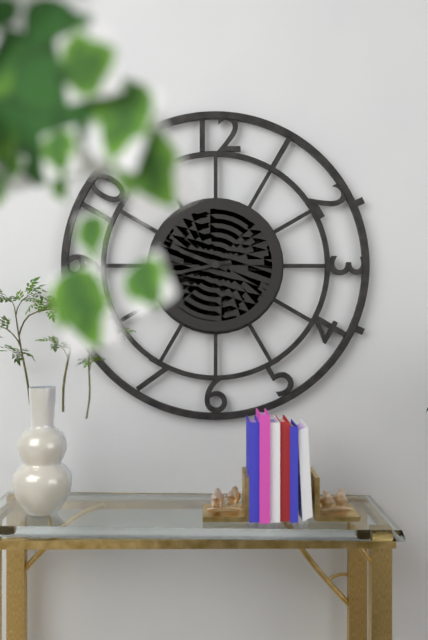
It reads 9,43
